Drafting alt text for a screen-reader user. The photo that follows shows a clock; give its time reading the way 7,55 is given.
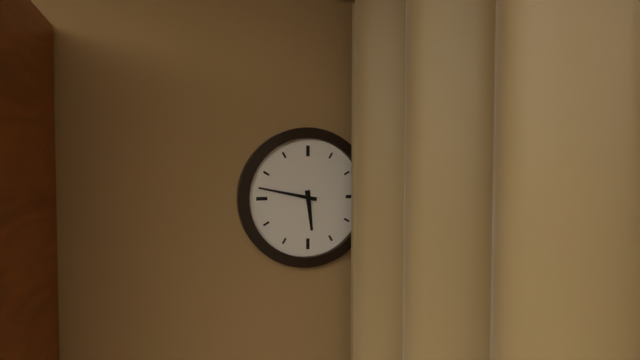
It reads 5,47
